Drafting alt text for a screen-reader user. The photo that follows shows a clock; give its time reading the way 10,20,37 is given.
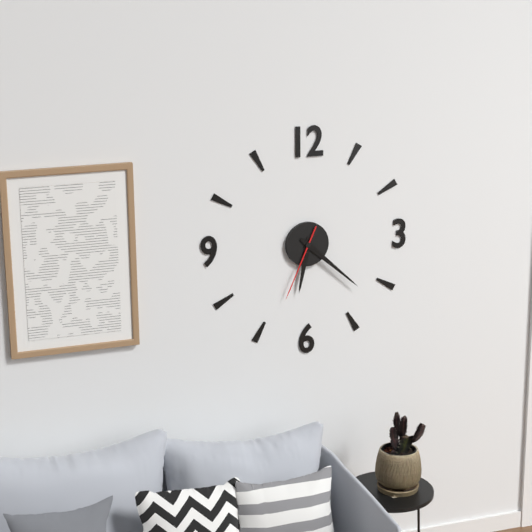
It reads 6,22,34
